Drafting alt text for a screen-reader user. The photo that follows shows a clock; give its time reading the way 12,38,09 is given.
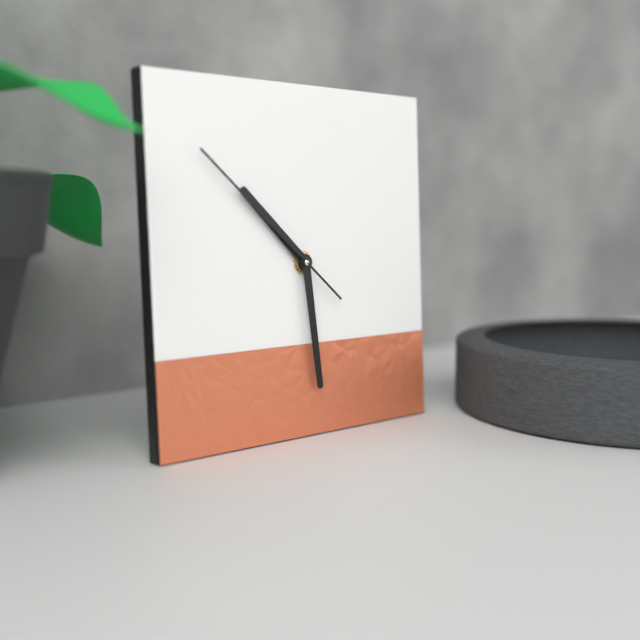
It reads 10,29,52
